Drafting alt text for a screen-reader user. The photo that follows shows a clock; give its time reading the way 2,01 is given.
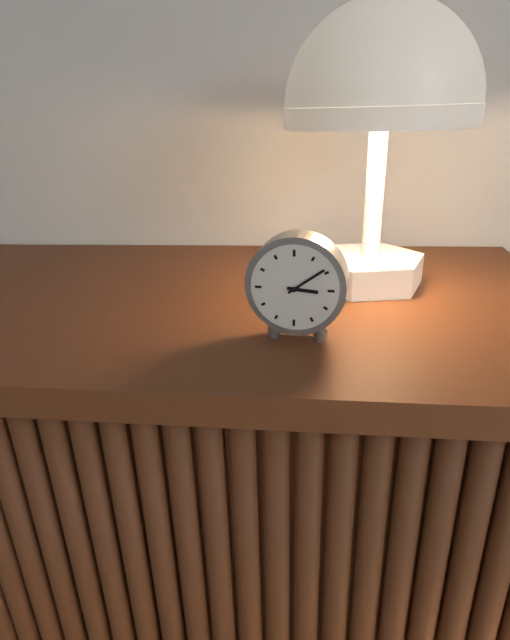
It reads 3,09
